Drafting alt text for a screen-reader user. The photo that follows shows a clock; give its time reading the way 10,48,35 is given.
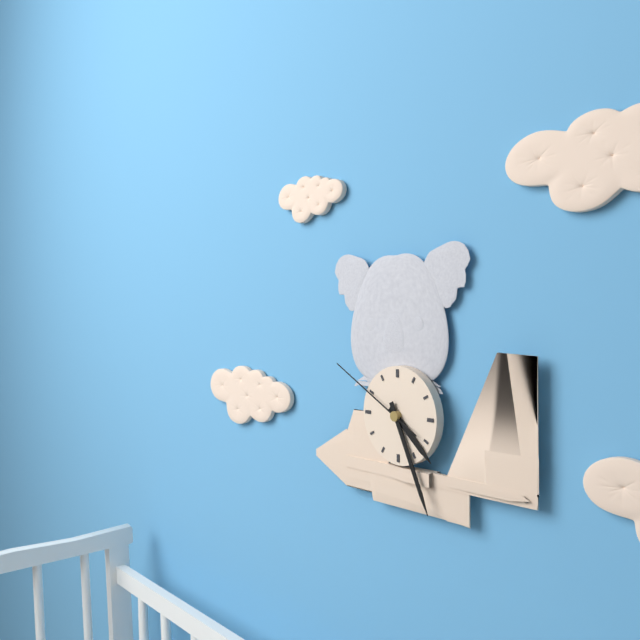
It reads 4,26,50
